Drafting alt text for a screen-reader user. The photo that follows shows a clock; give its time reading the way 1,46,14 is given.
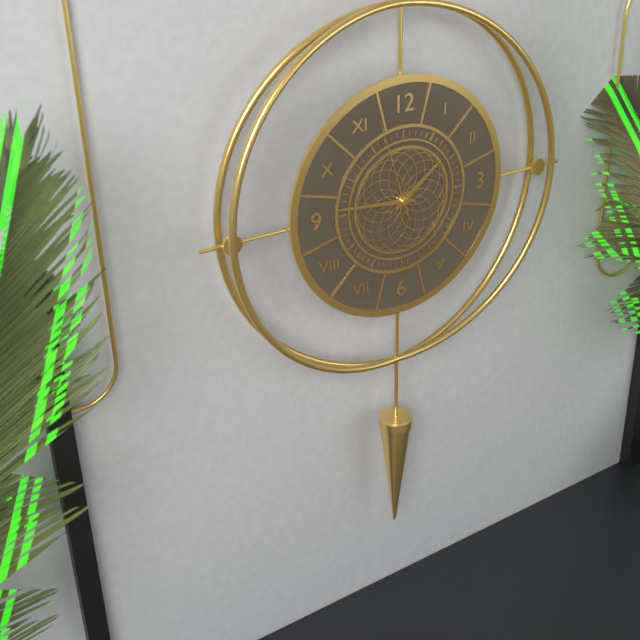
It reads 1,46,57
